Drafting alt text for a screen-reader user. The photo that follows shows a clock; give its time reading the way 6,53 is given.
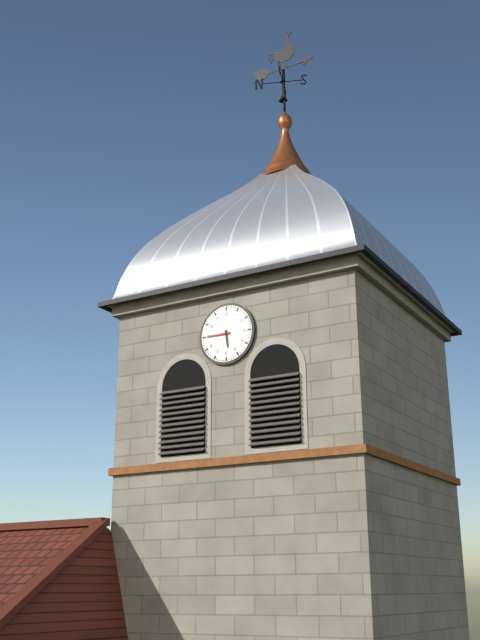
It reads 5,45
